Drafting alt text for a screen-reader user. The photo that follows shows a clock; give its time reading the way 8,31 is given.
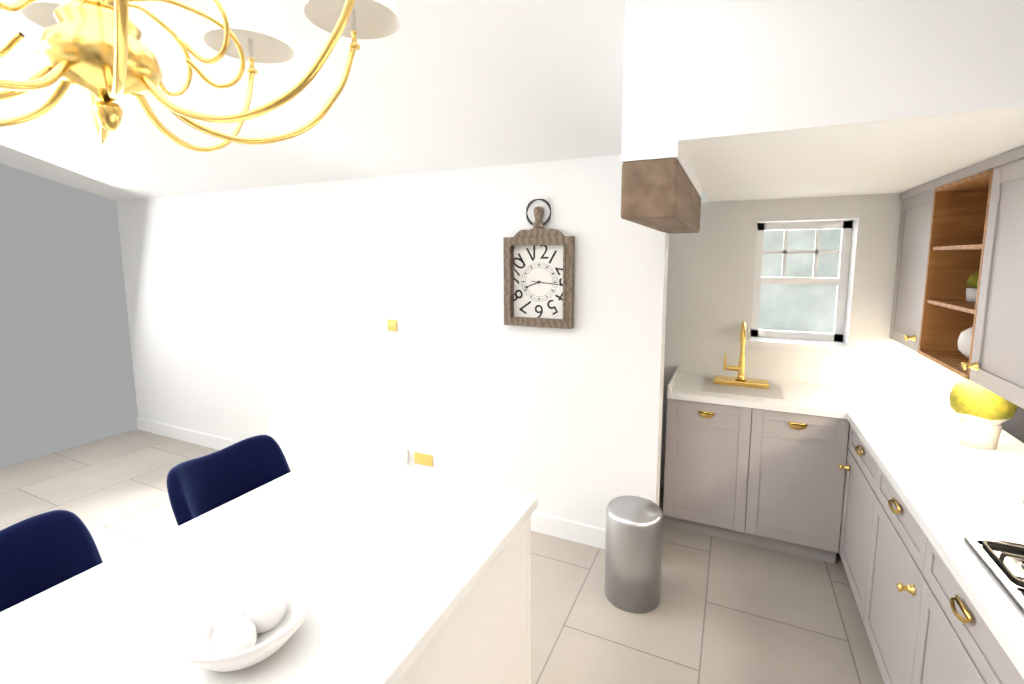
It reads 8,16
